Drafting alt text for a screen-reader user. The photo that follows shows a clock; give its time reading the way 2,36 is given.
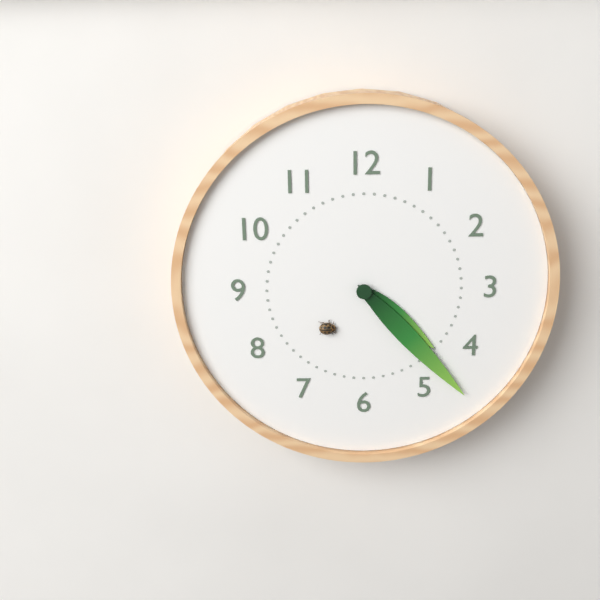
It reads 4,23
